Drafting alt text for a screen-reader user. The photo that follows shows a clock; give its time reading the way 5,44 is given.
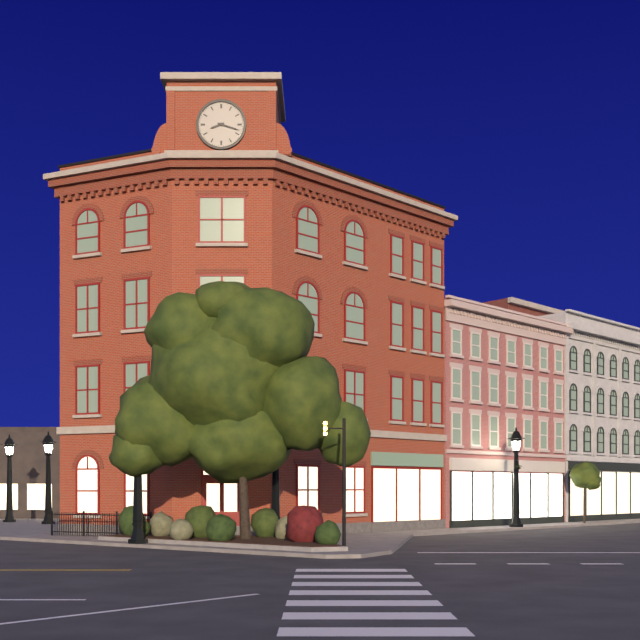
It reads 8,18
